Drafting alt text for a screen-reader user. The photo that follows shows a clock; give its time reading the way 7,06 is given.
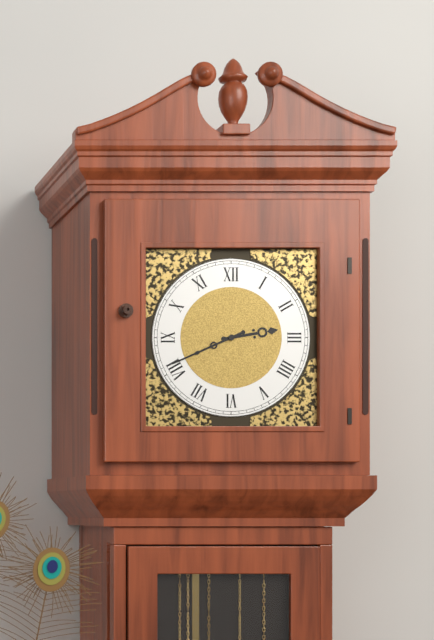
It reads 2,41
